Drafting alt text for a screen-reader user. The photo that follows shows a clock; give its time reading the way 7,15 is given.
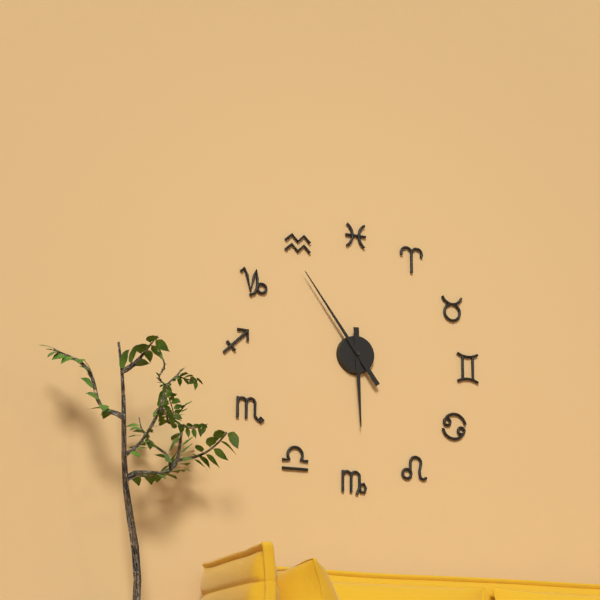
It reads 5,54
